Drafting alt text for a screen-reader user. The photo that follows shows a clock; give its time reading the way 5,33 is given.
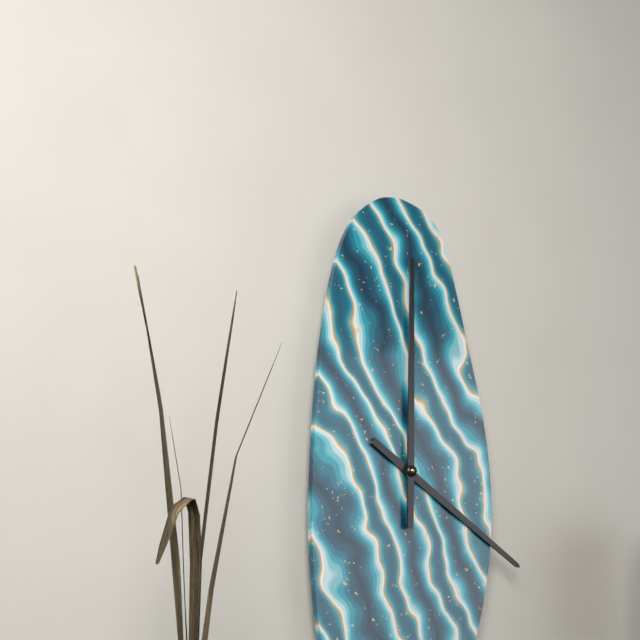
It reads 4,00
